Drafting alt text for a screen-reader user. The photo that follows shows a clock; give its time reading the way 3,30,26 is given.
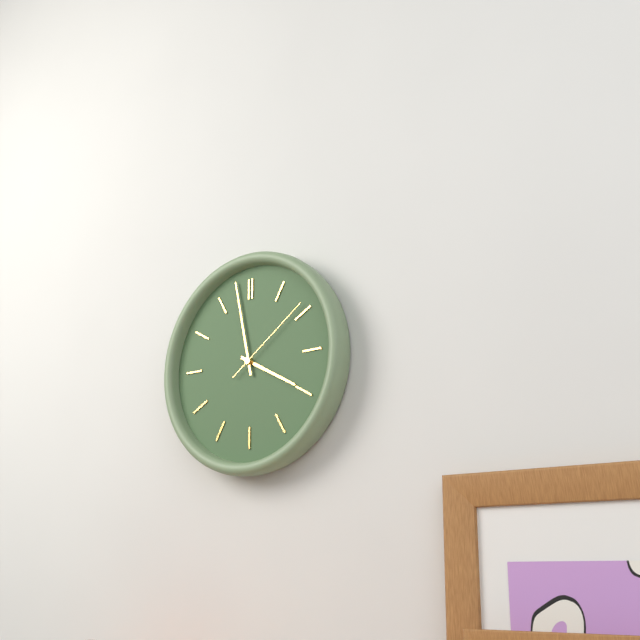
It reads 3,58,09
